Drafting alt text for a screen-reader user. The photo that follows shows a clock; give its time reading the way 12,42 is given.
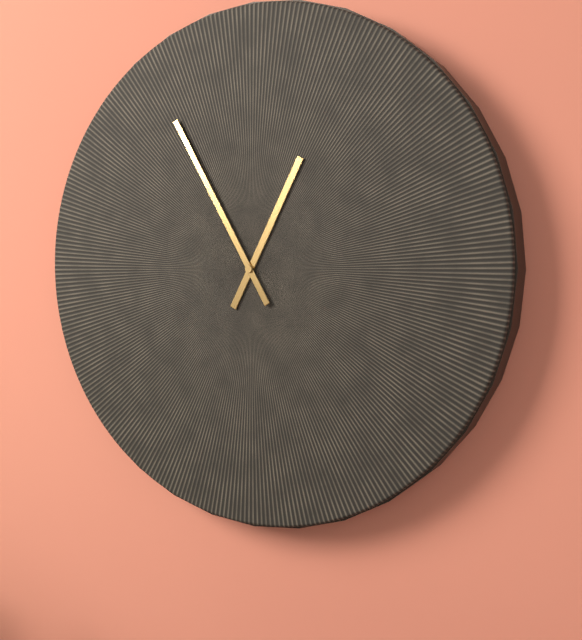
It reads 12,55
